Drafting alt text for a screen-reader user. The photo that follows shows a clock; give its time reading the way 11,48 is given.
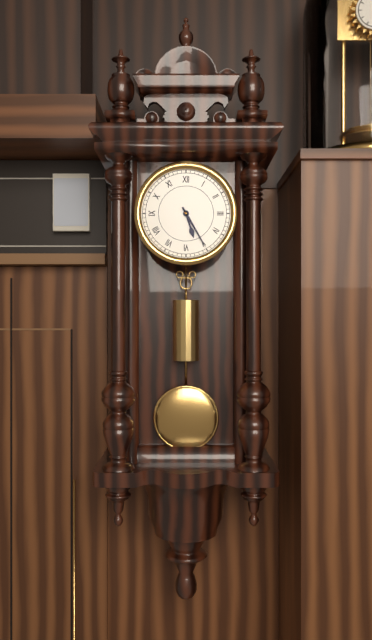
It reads 5,25
